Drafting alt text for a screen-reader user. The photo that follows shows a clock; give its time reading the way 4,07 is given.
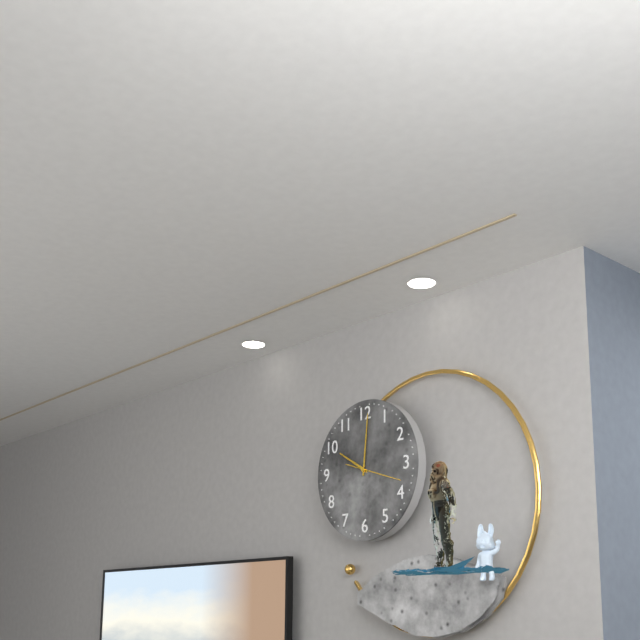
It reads 10,01
